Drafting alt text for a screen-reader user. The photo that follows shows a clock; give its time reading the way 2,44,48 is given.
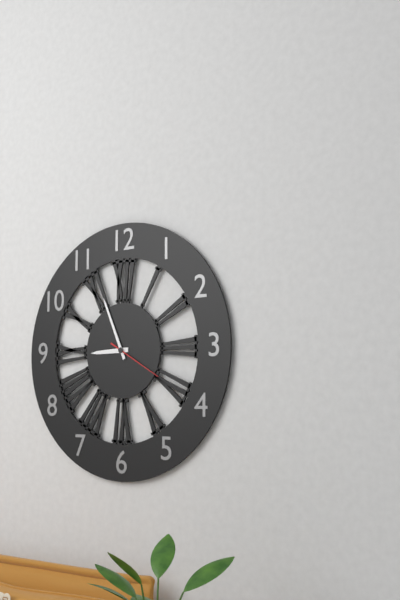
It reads 8,56,20
